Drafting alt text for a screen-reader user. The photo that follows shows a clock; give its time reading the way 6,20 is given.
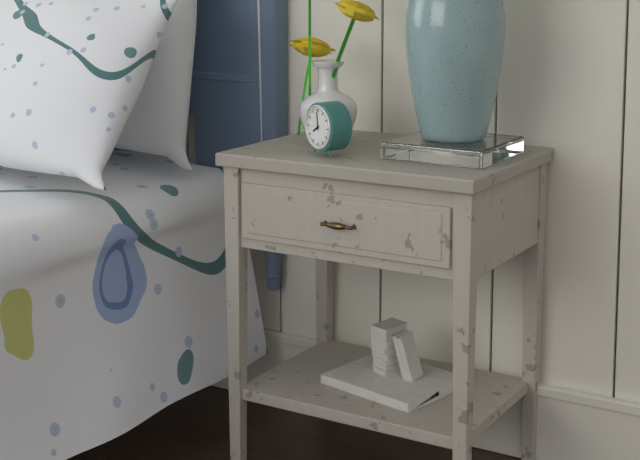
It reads 7,59
